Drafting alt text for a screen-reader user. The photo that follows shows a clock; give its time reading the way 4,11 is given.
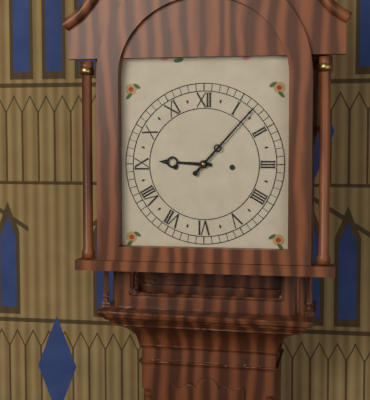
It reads 9,07
